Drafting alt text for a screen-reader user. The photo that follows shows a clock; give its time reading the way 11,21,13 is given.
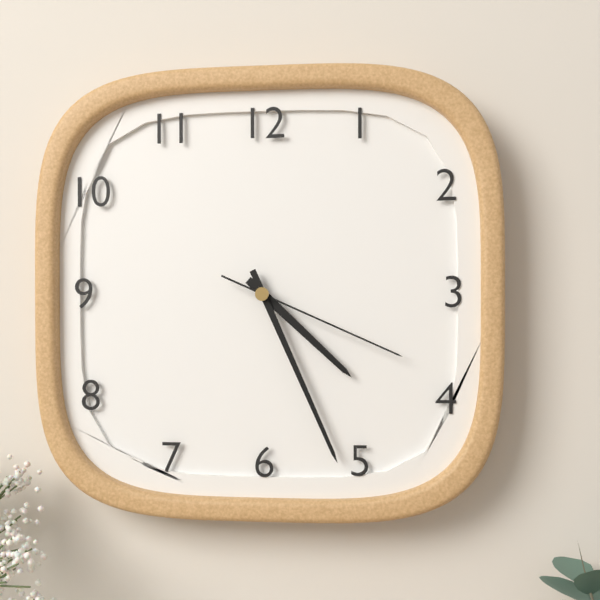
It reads 4,26,19
